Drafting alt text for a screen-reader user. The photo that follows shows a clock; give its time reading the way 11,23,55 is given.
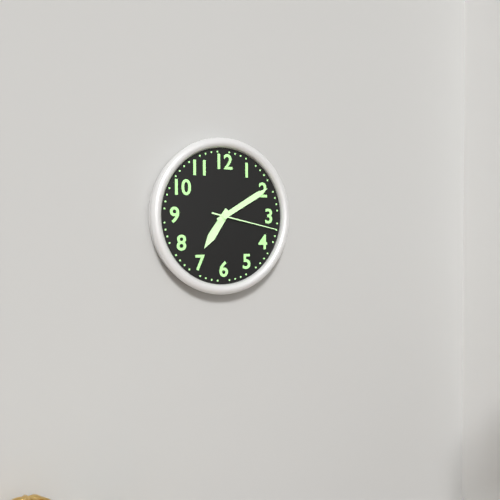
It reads 7,10,17
